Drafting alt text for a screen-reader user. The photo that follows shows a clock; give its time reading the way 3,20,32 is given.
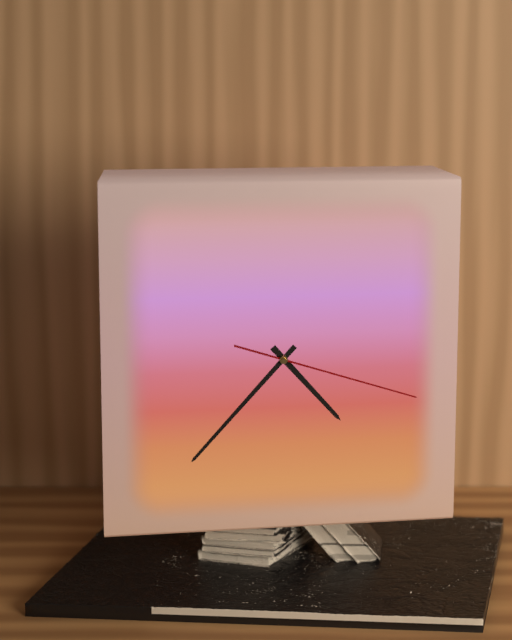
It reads 4,37,18
